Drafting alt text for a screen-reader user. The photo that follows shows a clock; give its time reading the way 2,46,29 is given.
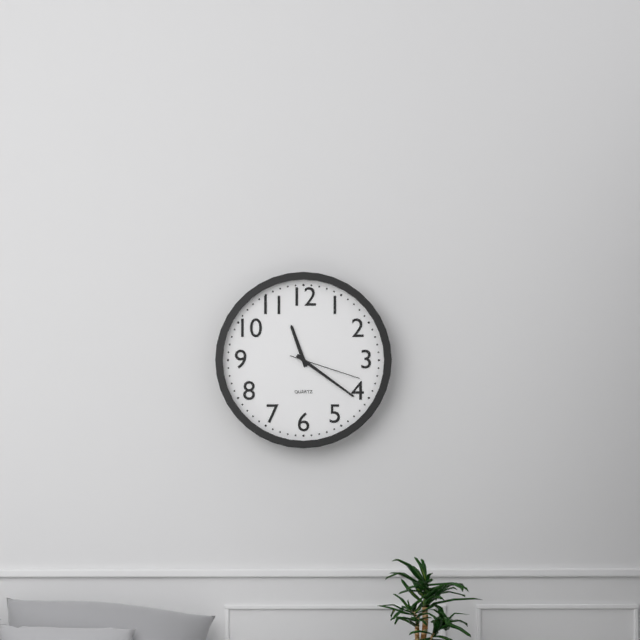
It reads 11,21,18
